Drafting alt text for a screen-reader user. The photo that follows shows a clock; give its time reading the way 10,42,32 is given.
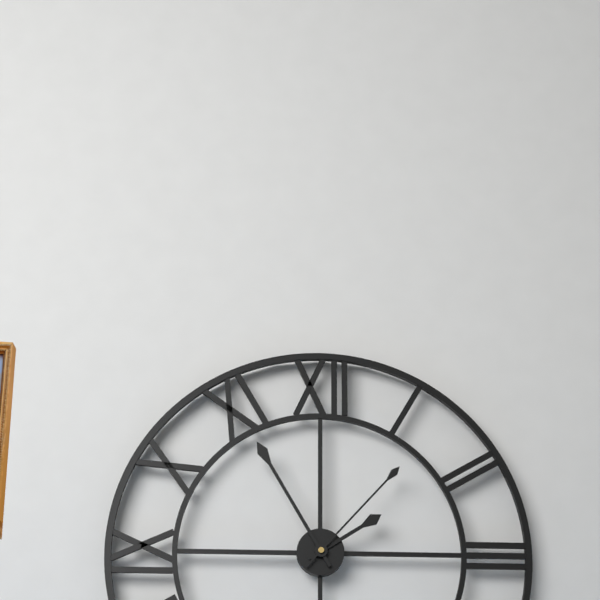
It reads 1,55,07
